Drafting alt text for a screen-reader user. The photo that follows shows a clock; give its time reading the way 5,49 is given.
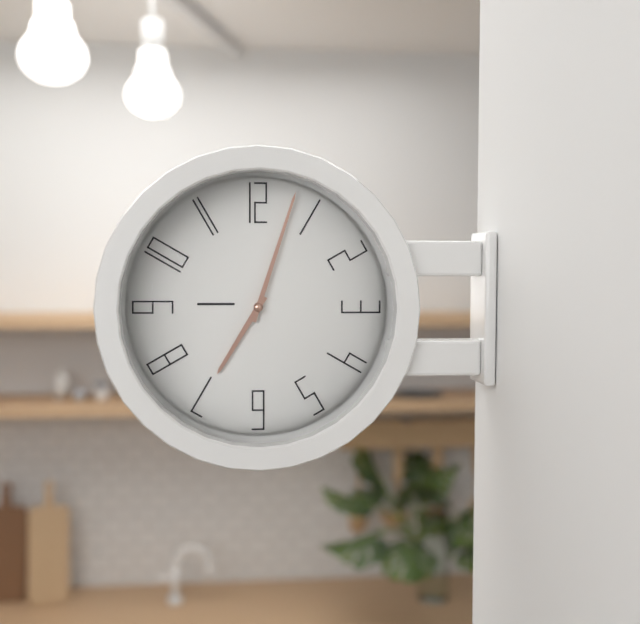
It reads 7,03
